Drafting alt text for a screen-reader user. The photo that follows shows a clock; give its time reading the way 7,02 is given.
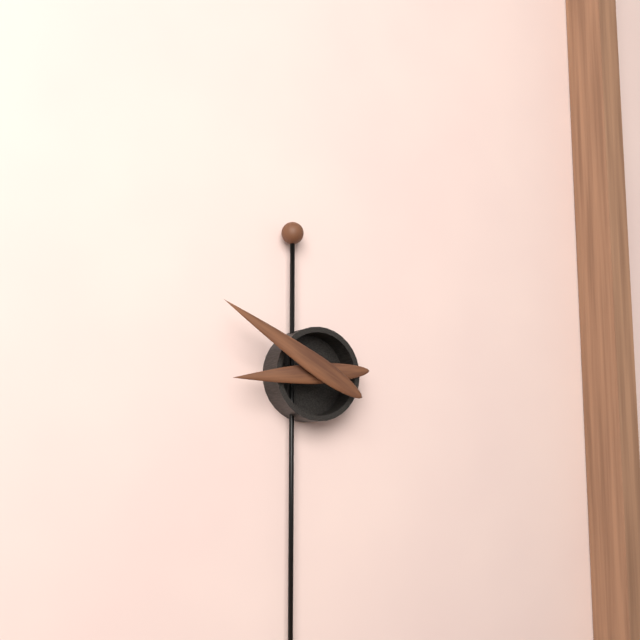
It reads 8,50
